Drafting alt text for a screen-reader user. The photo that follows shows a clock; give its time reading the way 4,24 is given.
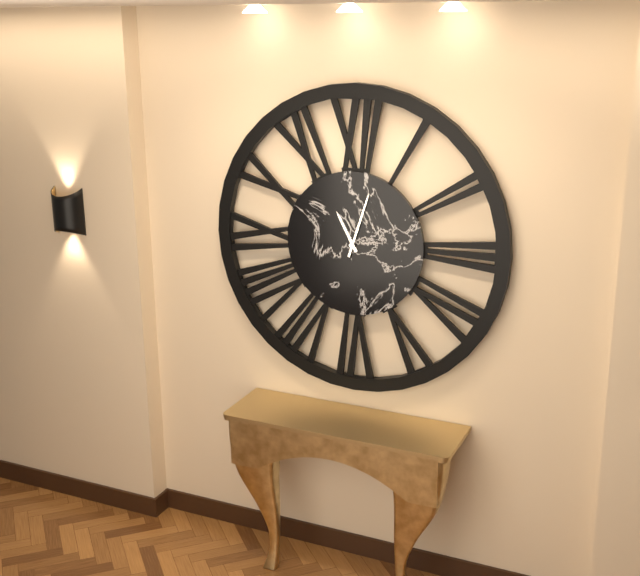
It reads 11,03
